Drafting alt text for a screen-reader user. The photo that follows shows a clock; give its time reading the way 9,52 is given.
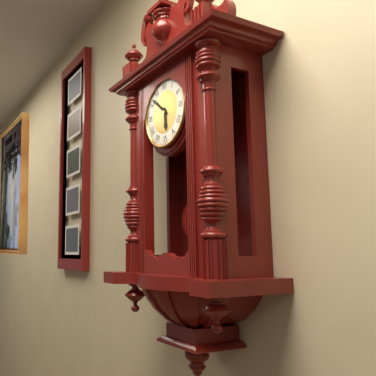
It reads 5,52
